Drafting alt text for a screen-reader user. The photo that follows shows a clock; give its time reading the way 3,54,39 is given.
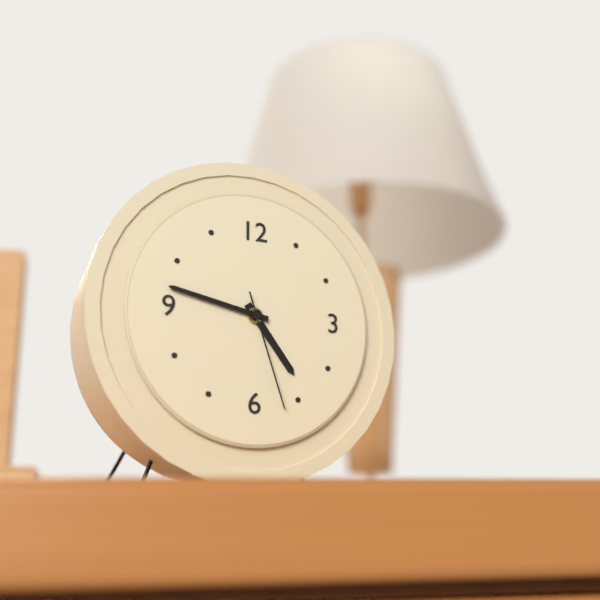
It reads 4,47,27
